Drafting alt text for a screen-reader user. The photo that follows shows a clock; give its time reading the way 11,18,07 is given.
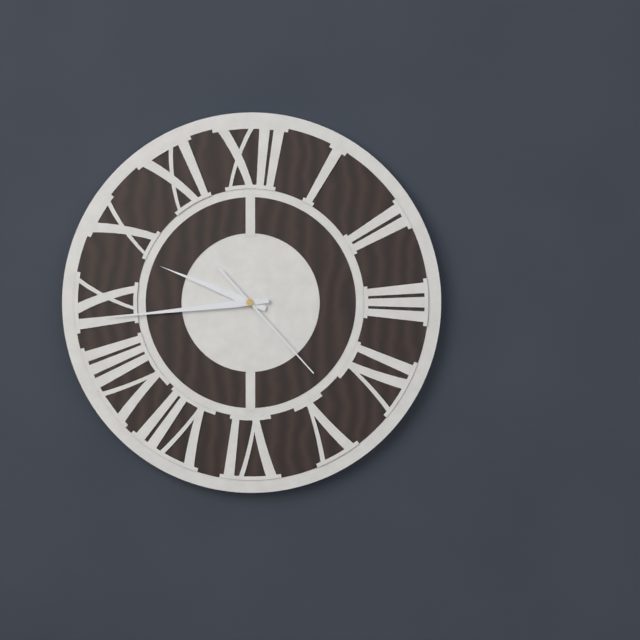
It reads 9,44,23
